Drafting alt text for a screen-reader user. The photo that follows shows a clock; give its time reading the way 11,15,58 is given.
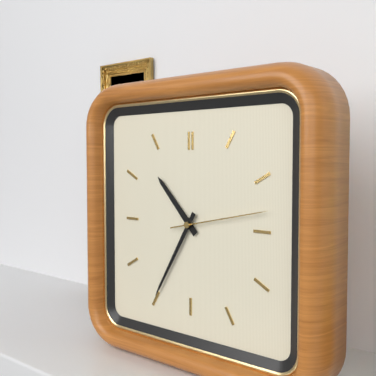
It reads 10,35,13
